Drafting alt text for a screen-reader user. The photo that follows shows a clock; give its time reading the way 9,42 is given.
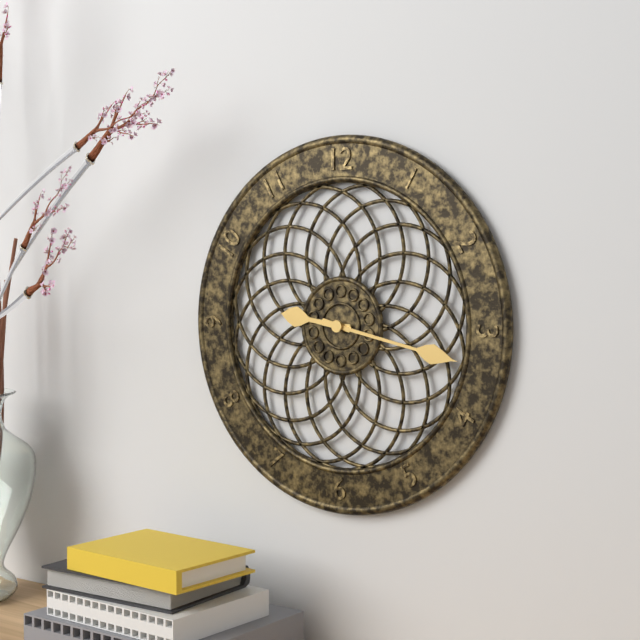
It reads 9,17
